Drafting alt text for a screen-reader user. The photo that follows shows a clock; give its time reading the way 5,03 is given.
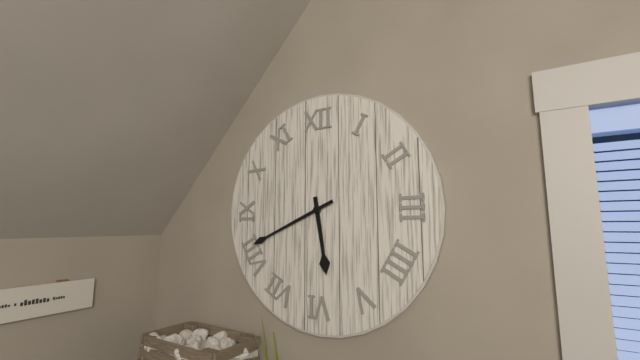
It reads 5,41
